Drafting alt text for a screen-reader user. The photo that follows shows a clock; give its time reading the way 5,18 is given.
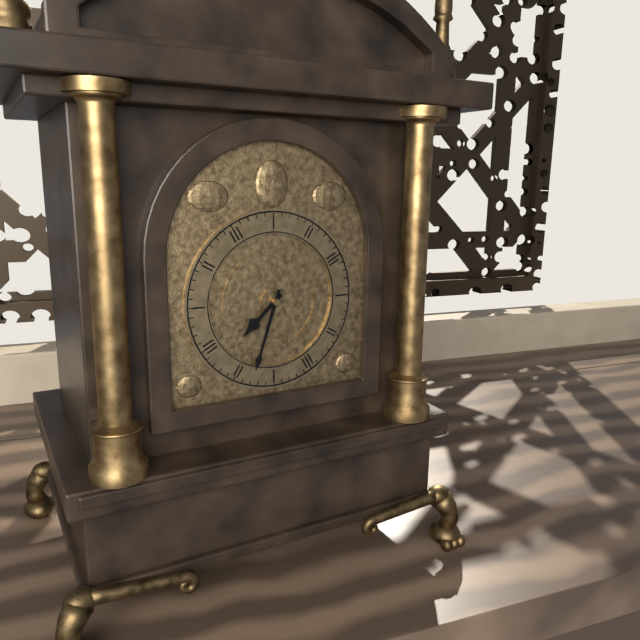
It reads 7,33
